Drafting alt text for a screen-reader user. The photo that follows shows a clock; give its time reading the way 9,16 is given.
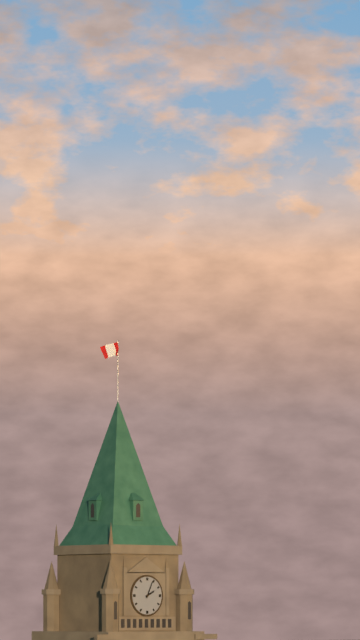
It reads 2,04
